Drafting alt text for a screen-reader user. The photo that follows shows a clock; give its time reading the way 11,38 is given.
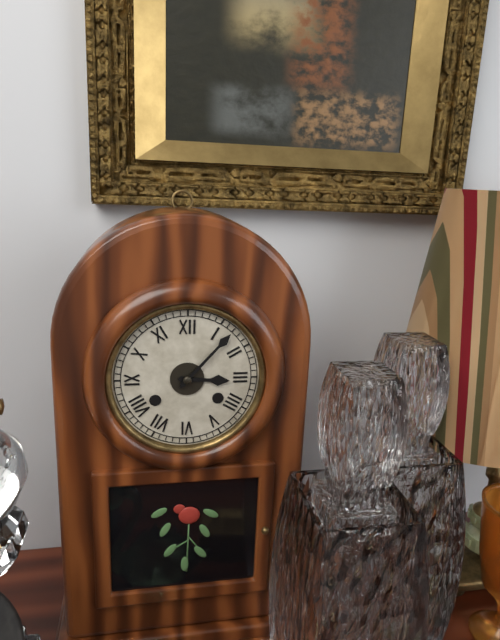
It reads 3,07
